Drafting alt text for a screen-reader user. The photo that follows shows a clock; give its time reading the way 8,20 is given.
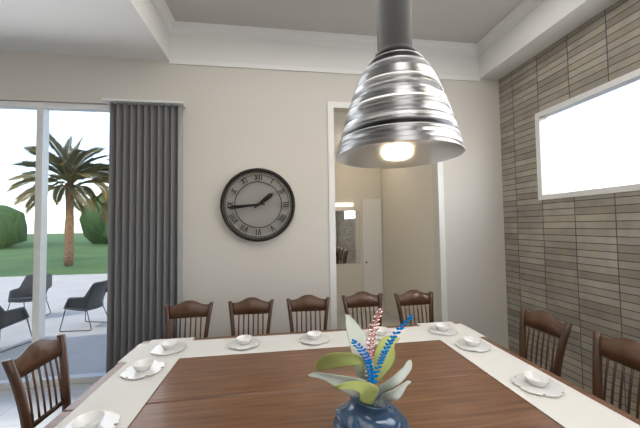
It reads 1,44
